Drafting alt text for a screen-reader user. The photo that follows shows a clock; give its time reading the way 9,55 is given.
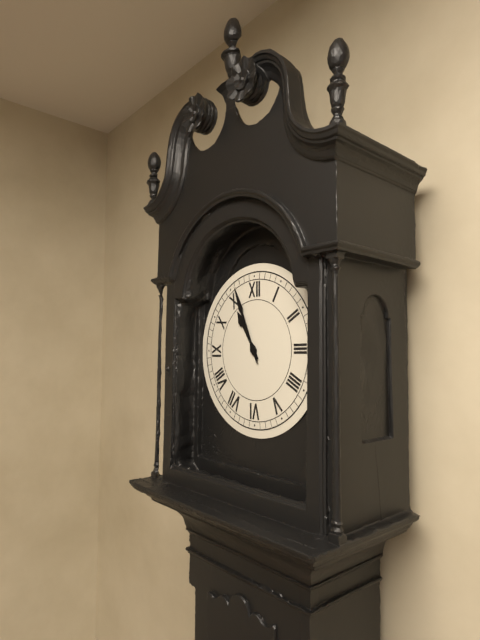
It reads 10,56
